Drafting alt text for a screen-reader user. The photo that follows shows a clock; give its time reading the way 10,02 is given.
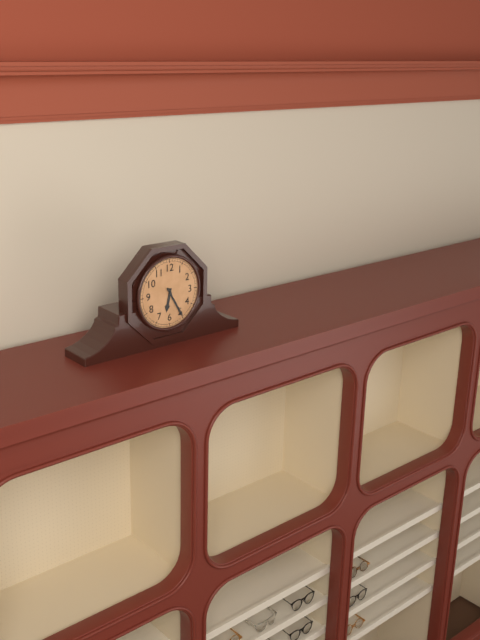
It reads 6,25
